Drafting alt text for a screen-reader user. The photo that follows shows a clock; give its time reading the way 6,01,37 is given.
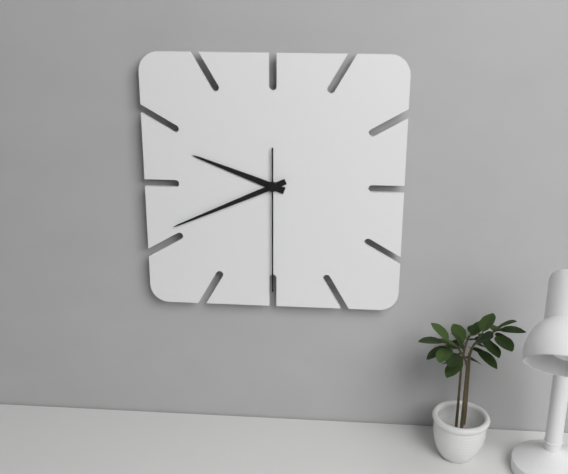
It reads 9,41,30
